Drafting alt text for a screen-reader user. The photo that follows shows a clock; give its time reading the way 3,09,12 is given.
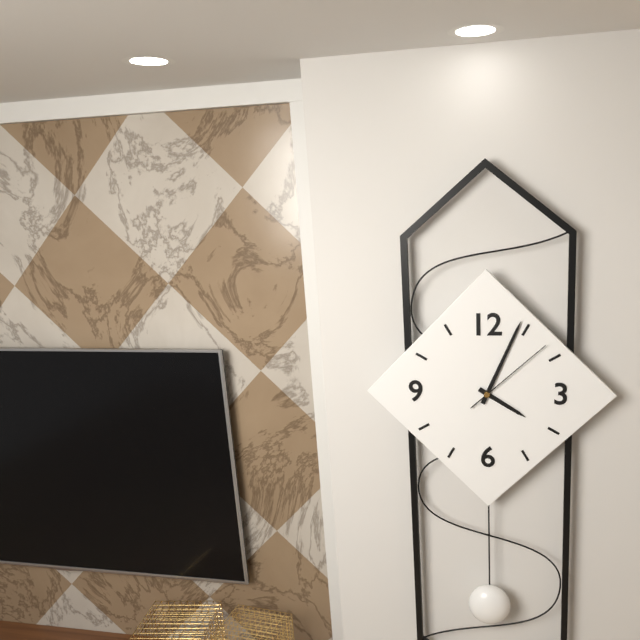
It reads 4,04,08
